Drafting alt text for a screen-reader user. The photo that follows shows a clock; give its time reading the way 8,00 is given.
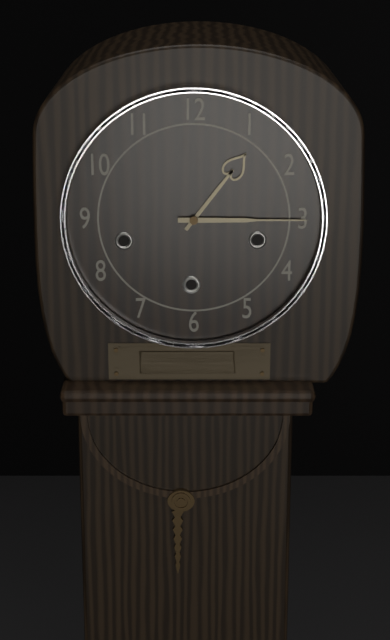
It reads 1,15
